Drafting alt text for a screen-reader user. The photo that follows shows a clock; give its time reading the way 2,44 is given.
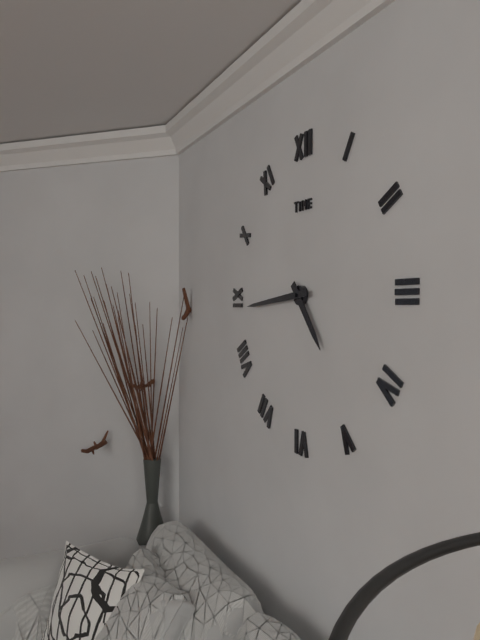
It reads 4,44
